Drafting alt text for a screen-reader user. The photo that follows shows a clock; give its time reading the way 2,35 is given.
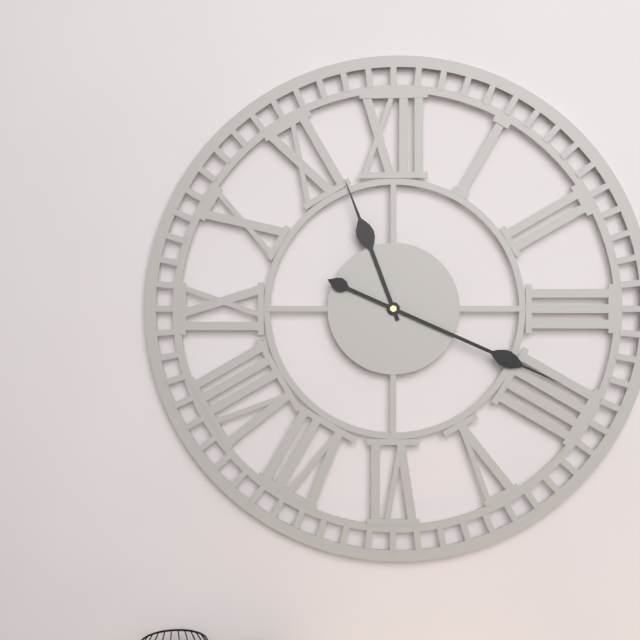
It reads 11,19
